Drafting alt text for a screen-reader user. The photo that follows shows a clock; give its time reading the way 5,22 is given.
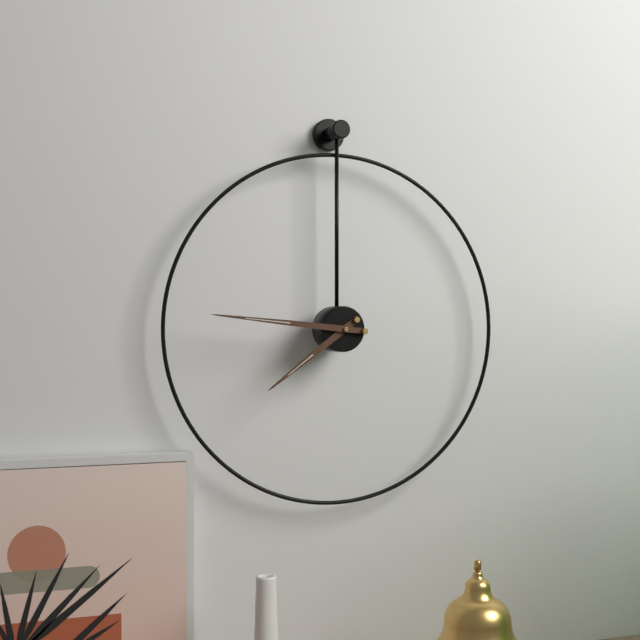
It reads 7,46
